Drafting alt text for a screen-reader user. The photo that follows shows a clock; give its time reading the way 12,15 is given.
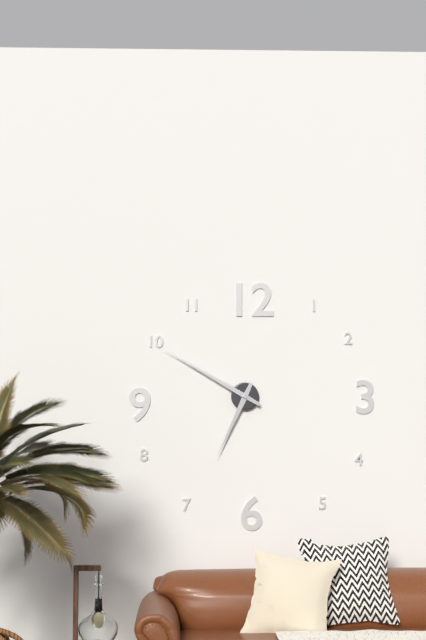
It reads 6,50
